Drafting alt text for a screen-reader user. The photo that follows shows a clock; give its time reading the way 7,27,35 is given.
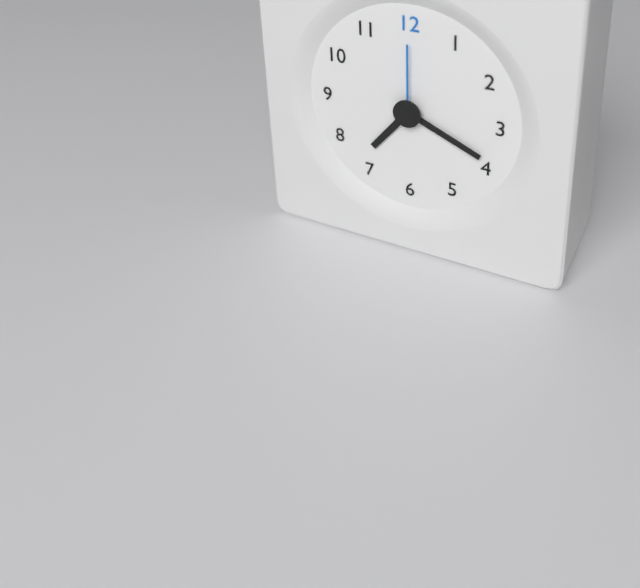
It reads 7,19,00
